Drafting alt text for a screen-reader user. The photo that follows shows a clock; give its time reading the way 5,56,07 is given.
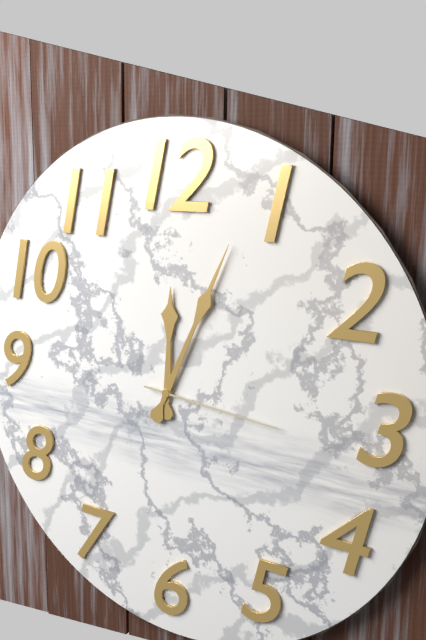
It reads 12,04,16
